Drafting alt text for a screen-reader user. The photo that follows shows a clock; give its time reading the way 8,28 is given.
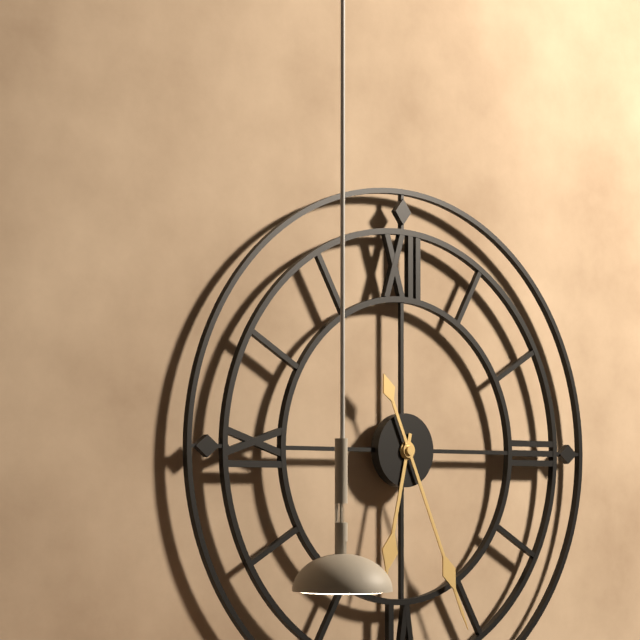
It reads 6,26
